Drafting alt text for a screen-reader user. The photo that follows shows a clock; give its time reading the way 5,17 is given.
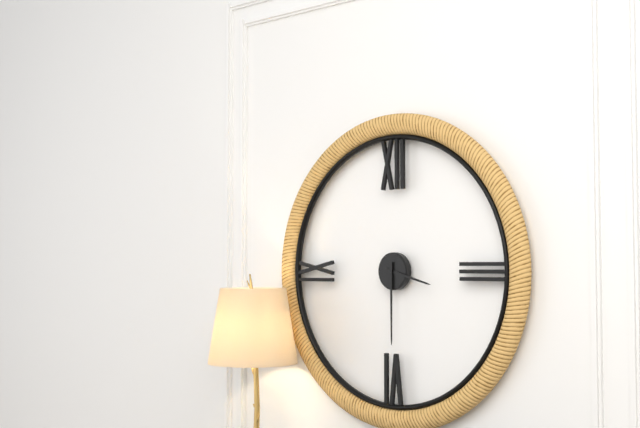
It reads 3,30
